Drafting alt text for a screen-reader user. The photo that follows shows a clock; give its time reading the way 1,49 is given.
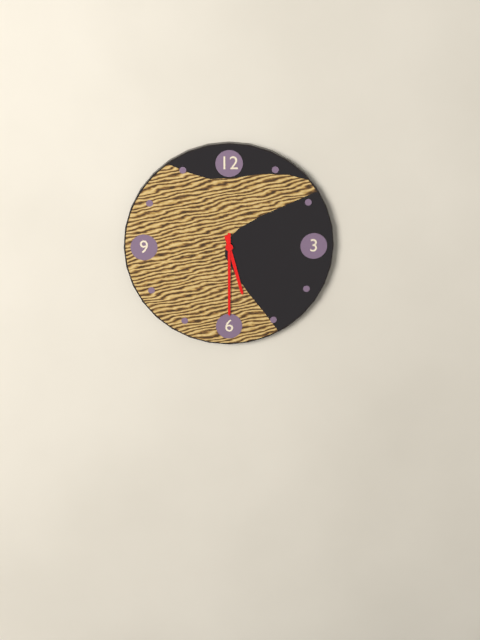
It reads 5,30
